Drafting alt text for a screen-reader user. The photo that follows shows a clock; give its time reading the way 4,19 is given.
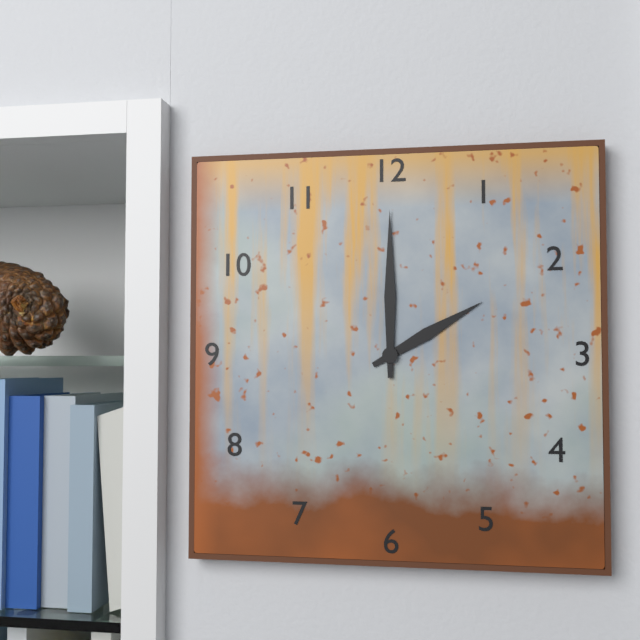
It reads 2,00
